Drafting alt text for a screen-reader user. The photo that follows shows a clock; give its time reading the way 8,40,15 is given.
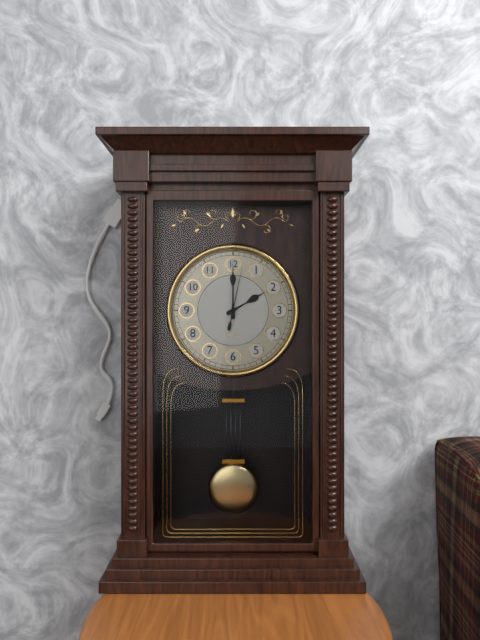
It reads 2,00,02
